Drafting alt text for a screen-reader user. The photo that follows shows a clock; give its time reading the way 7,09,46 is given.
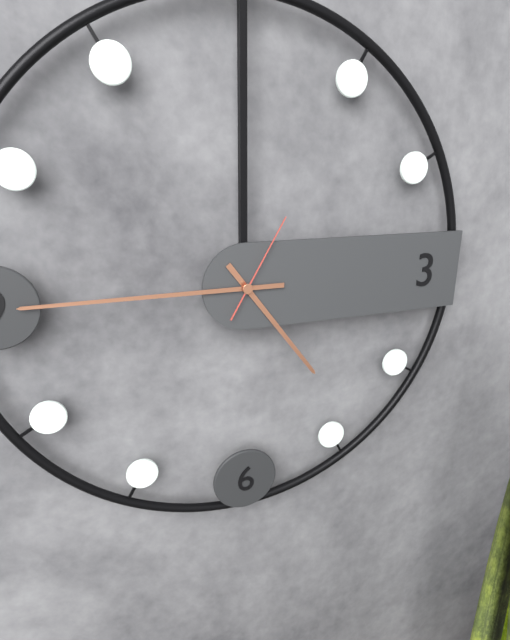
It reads 4,45,05
